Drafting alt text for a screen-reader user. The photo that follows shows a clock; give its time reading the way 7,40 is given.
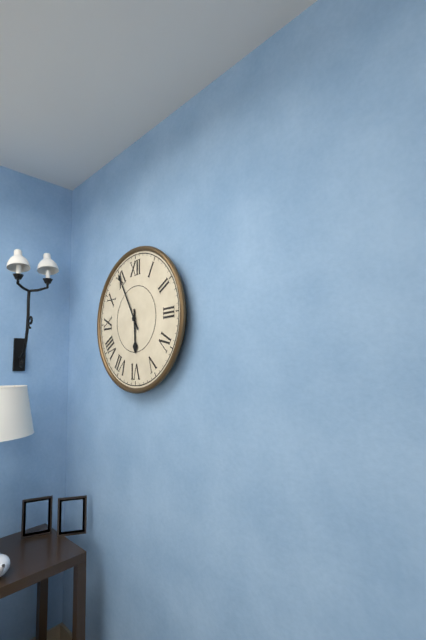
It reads 5,55
